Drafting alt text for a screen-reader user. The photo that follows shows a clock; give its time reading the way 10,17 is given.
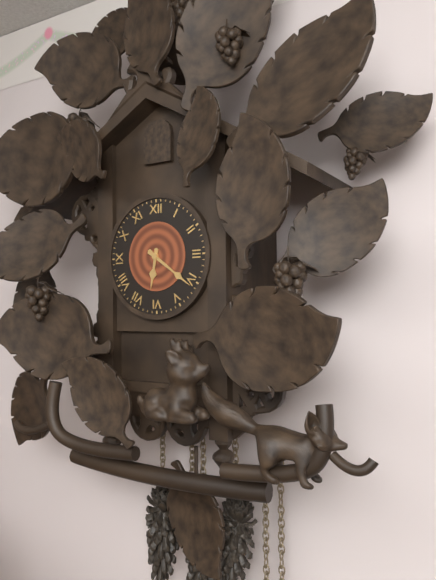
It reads 6,21
